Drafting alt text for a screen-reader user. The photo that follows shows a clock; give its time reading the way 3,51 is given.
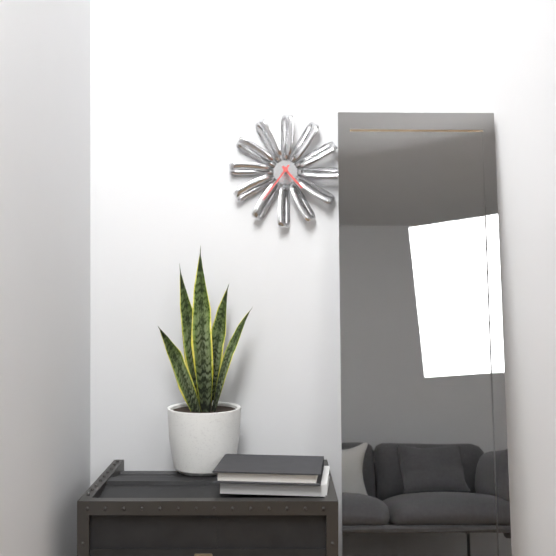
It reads 4,36
